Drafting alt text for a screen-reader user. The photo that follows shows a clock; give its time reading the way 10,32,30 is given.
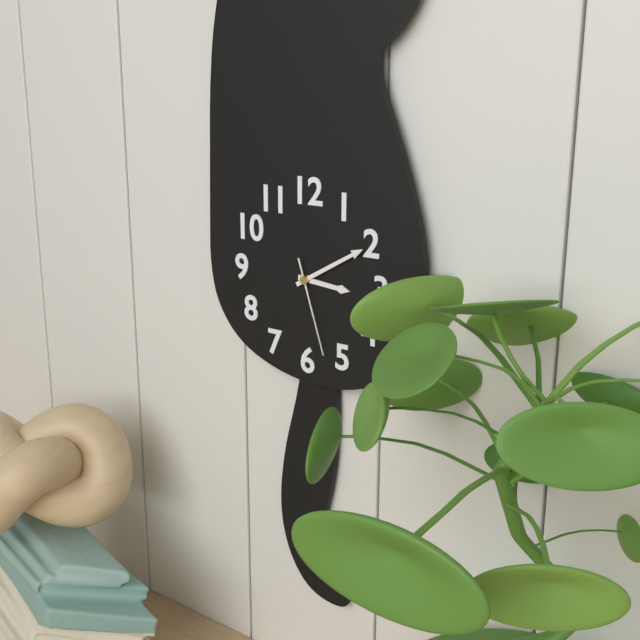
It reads 3,10,27
